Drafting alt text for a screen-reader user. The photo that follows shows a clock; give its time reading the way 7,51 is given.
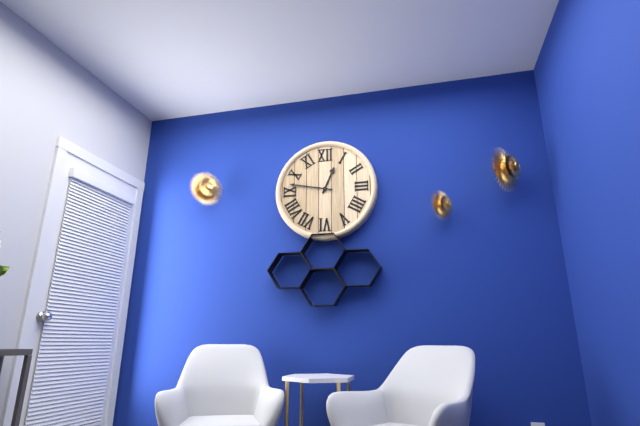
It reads 12,47
